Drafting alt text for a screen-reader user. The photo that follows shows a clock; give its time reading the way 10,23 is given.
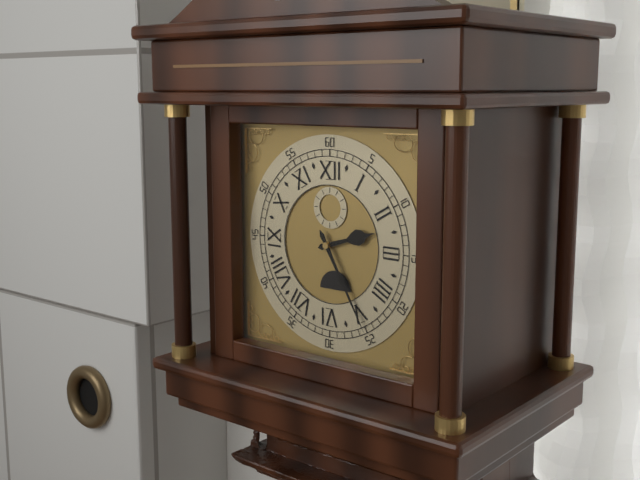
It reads 2,25
